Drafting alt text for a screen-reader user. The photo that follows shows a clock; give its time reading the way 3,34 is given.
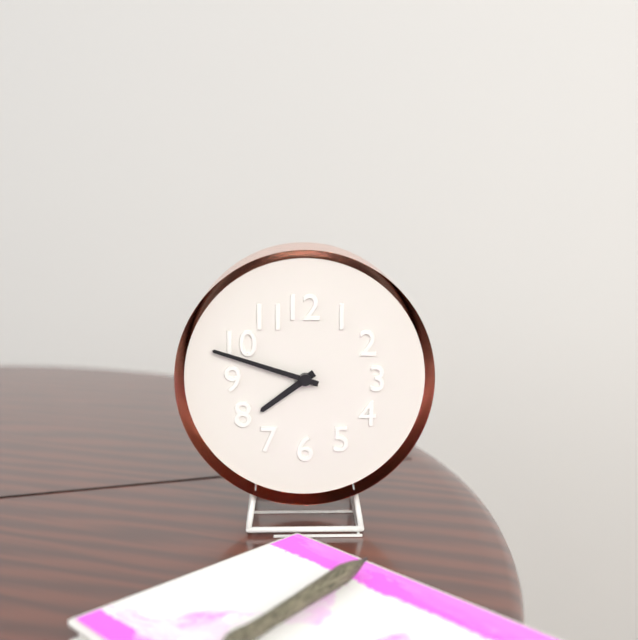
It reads 7,48
